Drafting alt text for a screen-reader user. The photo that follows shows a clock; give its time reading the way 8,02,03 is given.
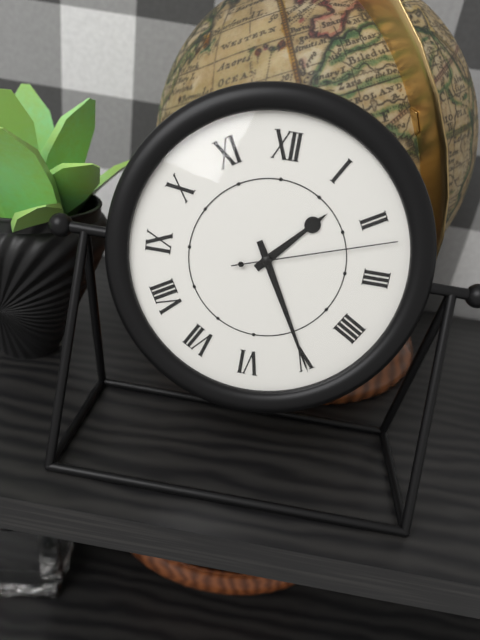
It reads 1,25,12
